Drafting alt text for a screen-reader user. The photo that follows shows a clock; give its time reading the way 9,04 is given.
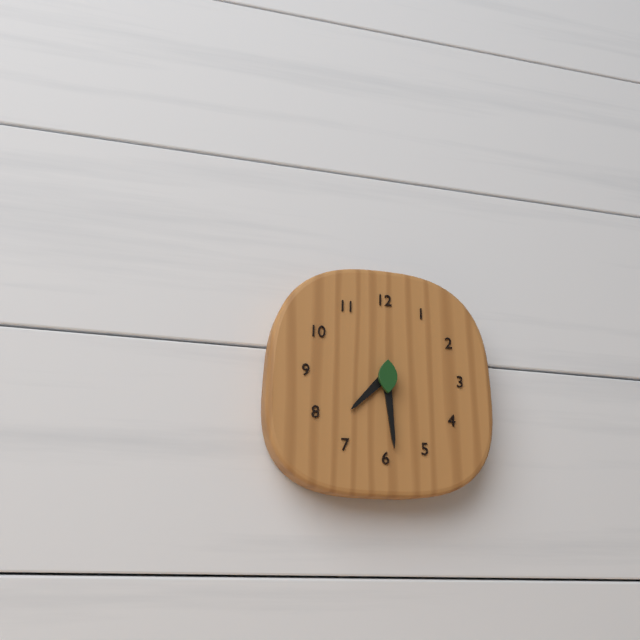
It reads 7,29
